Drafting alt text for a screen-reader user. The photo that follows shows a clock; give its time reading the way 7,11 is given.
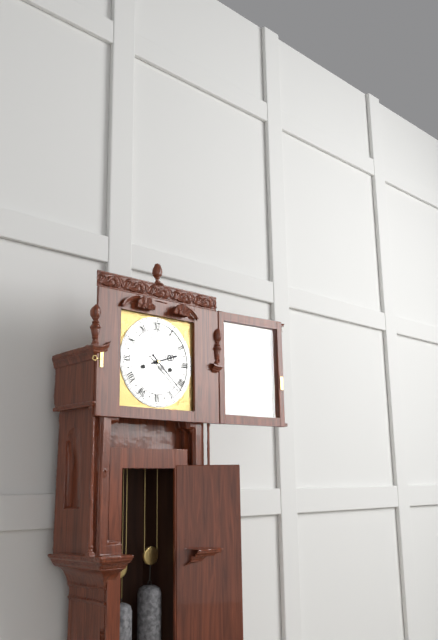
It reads 2,22
